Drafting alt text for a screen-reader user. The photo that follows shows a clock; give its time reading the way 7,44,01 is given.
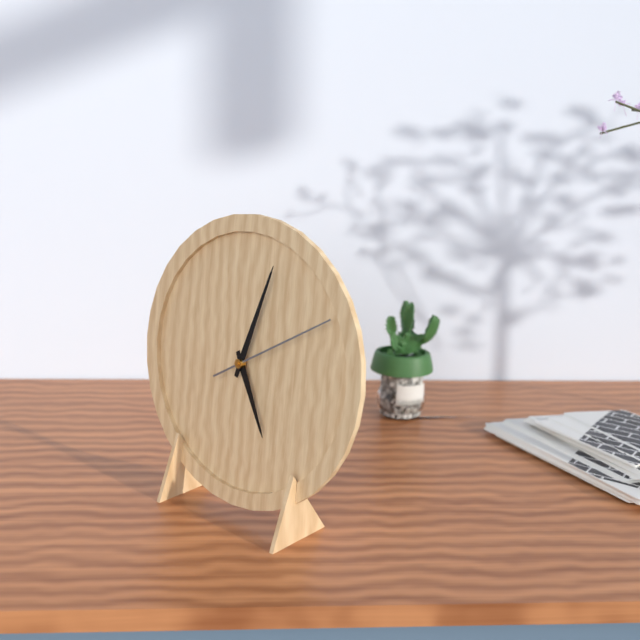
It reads 5,03,10
